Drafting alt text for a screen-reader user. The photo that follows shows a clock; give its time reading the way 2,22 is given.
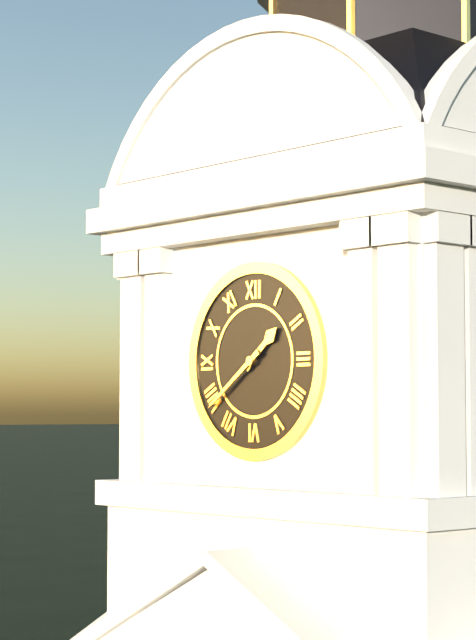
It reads 1,39
